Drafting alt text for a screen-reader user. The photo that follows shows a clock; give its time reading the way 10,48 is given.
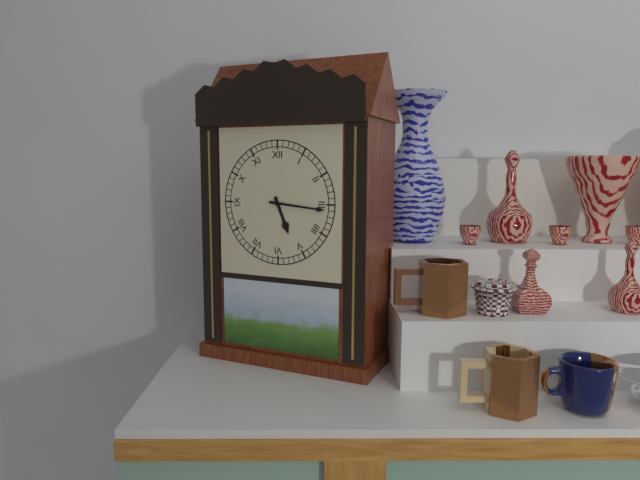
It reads 5,16
